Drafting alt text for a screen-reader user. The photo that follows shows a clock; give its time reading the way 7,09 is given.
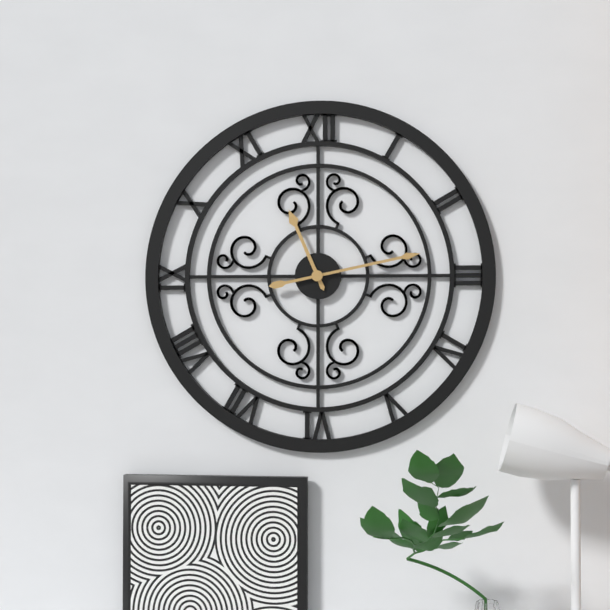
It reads 11,13
